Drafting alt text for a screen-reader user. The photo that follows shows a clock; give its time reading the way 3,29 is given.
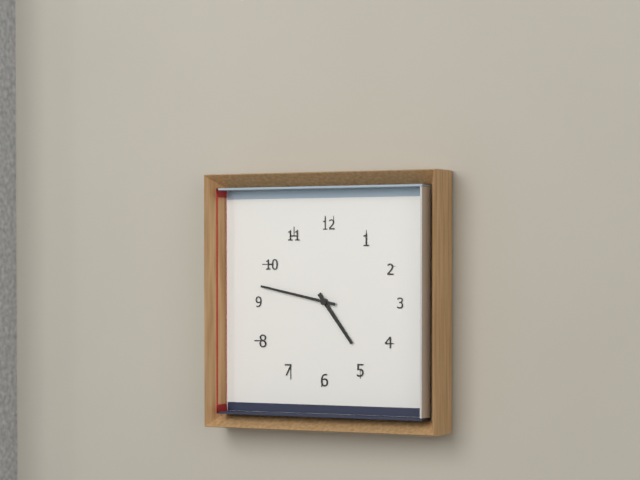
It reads 4,47
